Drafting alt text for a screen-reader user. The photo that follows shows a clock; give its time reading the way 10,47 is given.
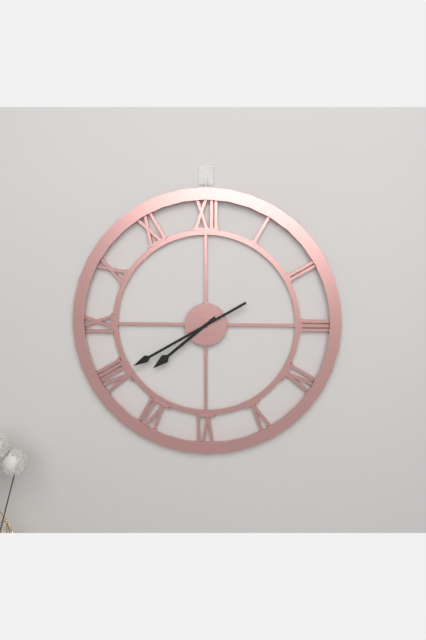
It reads 7,40
